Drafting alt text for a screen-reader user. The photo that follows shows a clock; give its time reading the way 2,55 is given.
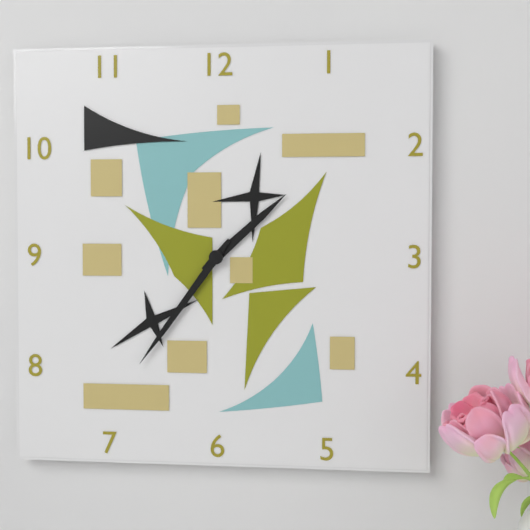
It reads 1,36
